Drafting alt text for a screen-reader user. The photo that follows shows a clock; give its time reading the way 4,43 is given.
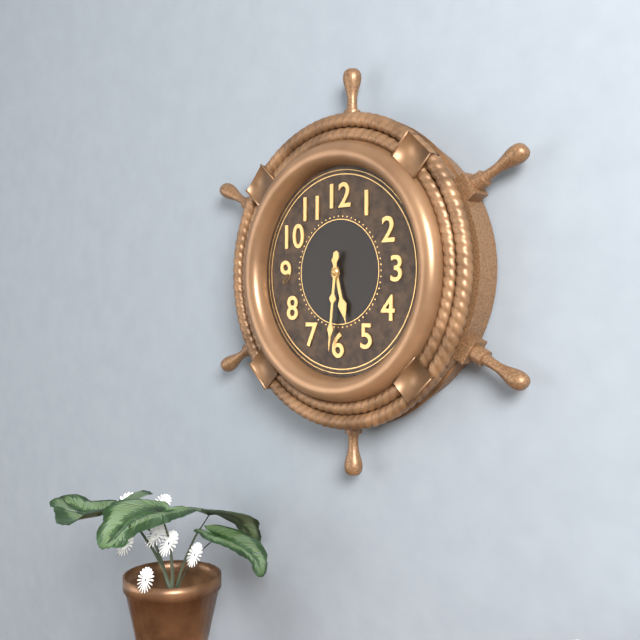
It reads 5,31
